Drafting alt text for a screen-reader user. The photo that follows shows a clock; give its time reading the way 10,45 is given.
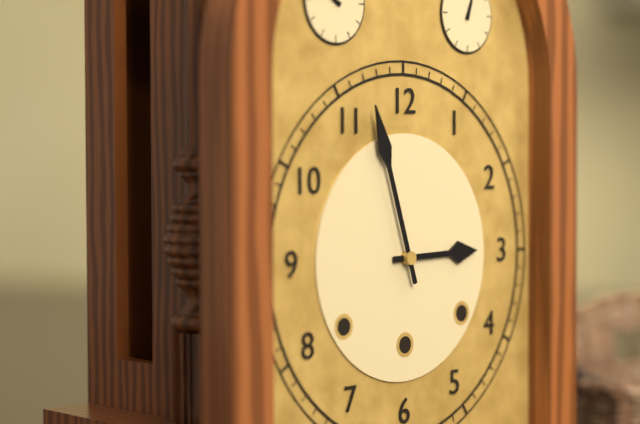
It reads 2,57
